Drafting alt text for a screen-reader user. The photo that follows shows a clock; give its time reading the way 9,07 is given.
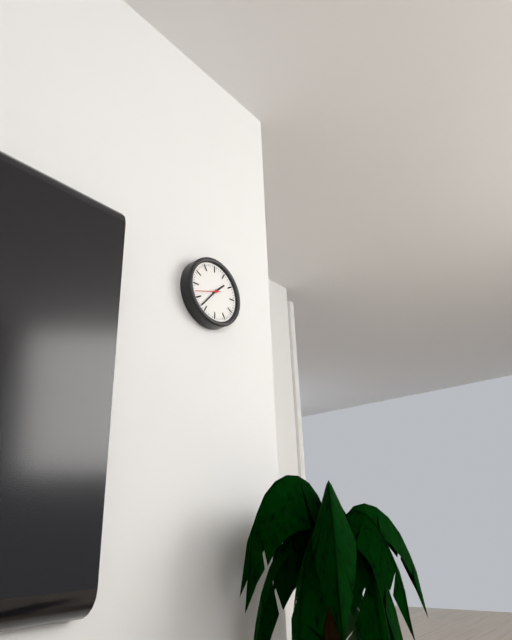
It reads 1,37
